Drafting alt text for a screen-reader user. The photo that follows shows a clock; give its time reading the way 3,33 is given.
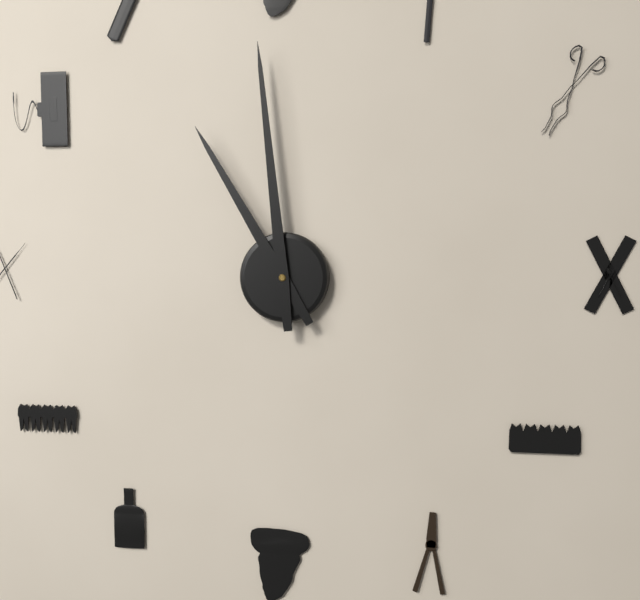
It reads 10,59
